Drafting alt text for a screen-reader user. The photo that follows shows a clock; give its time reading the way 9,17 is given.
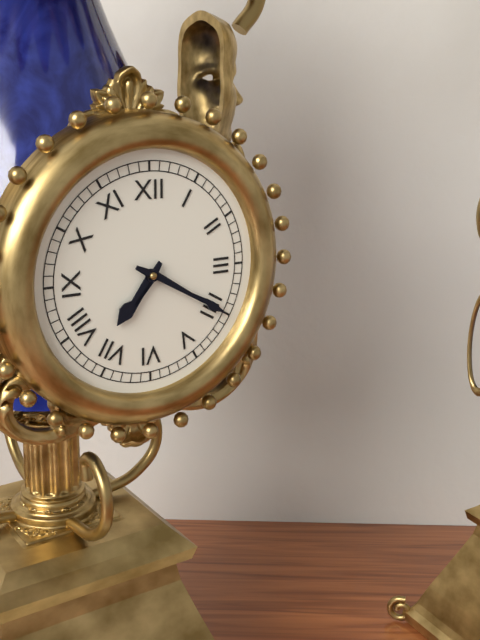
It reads 7,20
